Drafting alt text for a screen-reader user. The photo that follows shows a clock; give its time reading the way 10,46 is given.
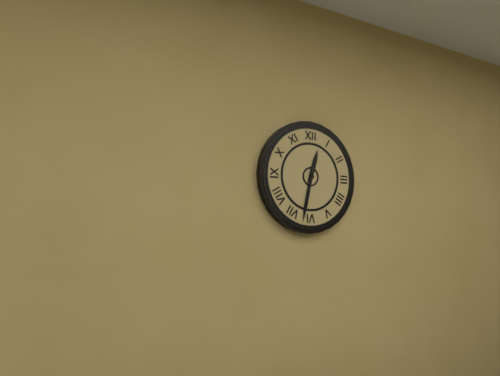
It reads 12,32
